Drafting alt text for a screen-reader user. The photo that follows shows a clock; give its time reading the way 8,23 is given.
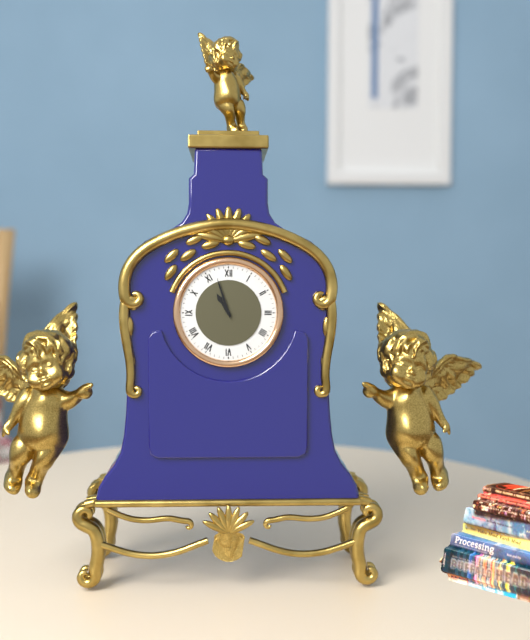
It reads 10,57
